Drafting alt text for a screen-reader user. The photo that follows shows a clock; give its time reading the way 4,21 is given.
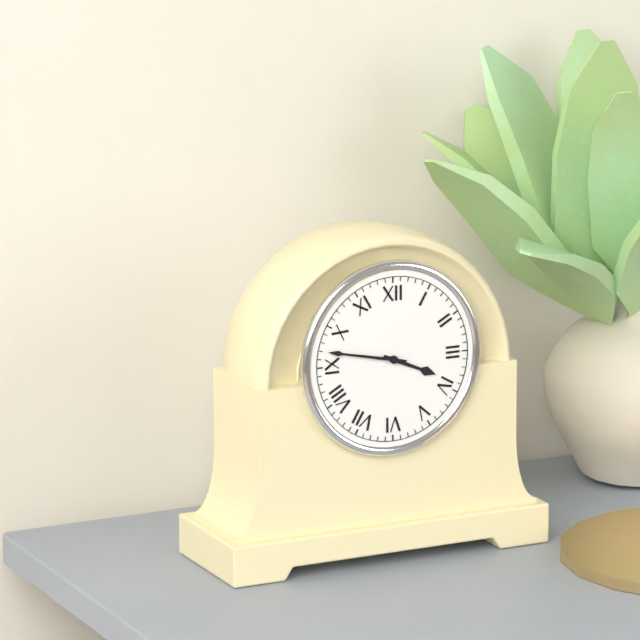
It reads 3,47
